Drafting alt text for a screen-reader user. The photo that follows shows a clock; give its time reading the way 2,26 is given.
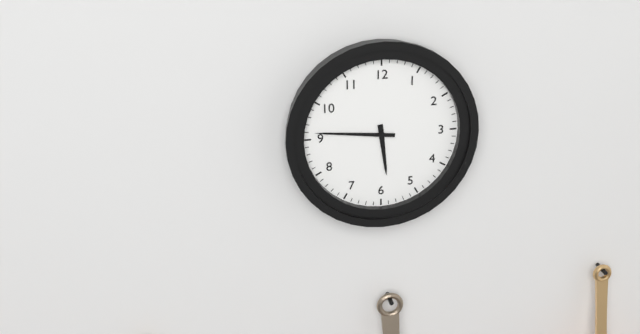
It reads 5,46
